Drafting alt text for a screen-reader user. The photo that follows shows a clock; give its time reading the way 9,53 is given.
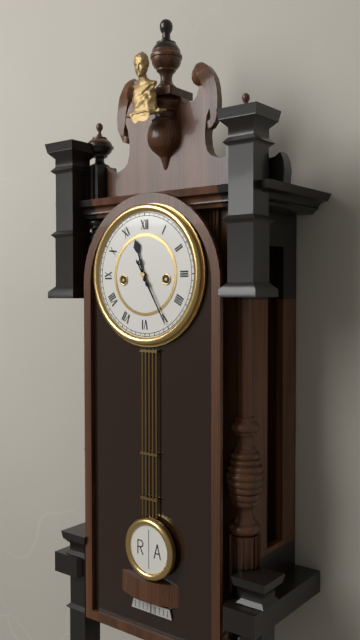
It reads 11,25
